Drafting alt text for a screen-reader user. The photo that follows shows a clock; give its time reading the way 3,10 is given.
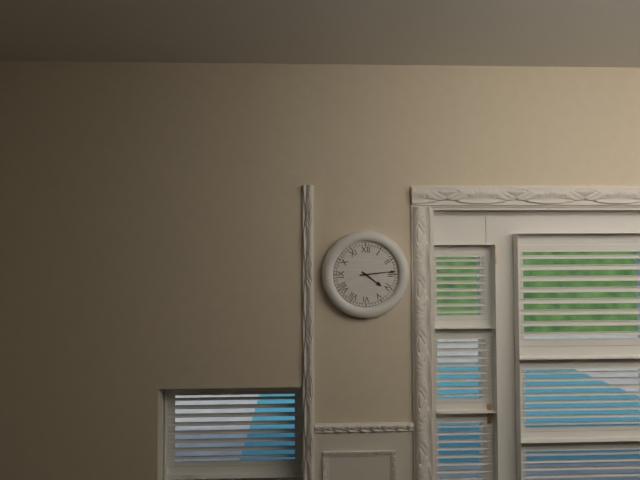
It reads 4,14
